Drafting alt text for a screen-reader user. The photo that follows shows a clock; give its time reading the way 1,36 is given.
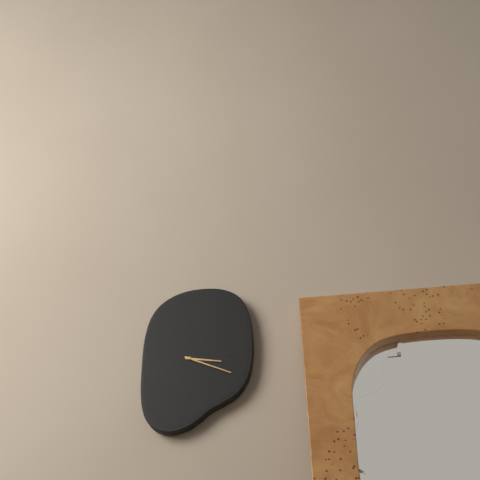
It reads 3,19
